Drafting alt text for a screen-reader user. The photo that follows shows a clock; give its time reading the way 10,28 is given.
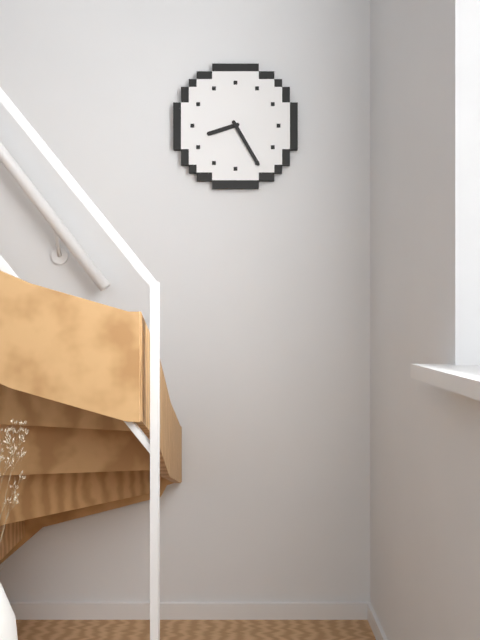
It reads 8,25
